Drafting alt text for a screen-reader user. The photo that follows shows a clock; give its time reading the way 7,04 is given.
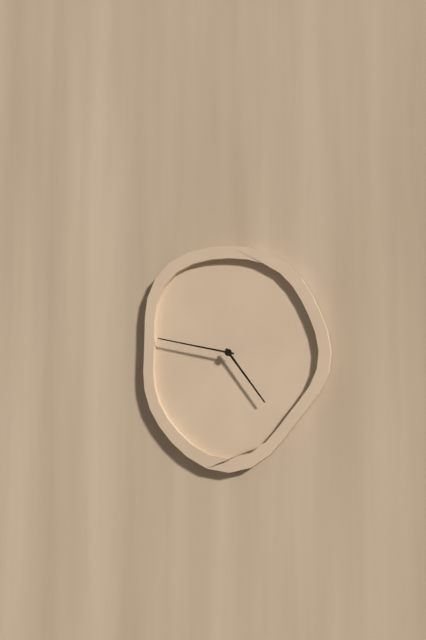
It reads 4,47
